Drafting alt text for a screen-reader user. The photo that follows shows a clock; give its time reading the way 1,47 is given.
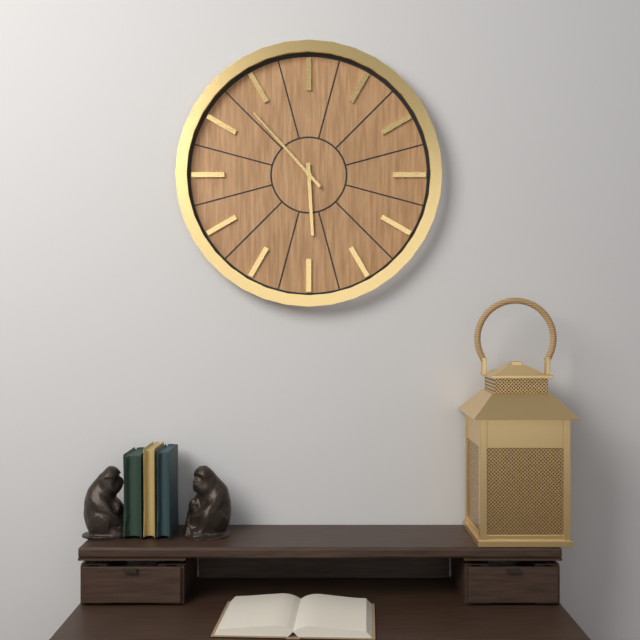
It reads 5,53
